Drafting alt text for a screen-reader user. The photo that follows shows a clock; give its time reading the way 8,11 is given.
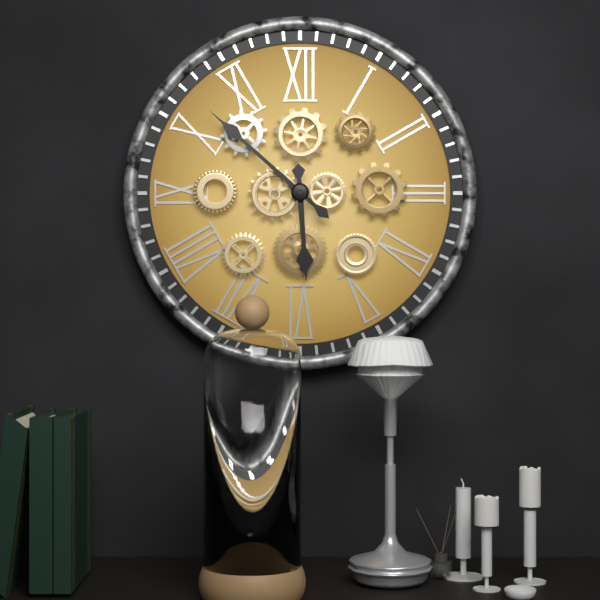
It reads 5,52
